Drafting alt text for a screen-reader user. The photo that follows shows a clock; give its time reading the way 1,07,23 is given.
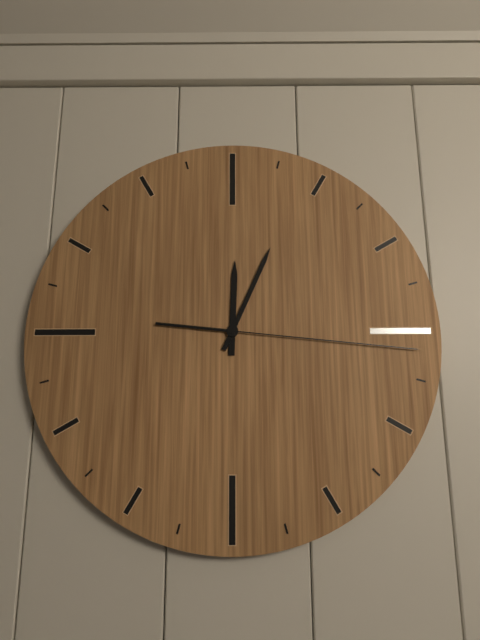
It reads 12,04,16
